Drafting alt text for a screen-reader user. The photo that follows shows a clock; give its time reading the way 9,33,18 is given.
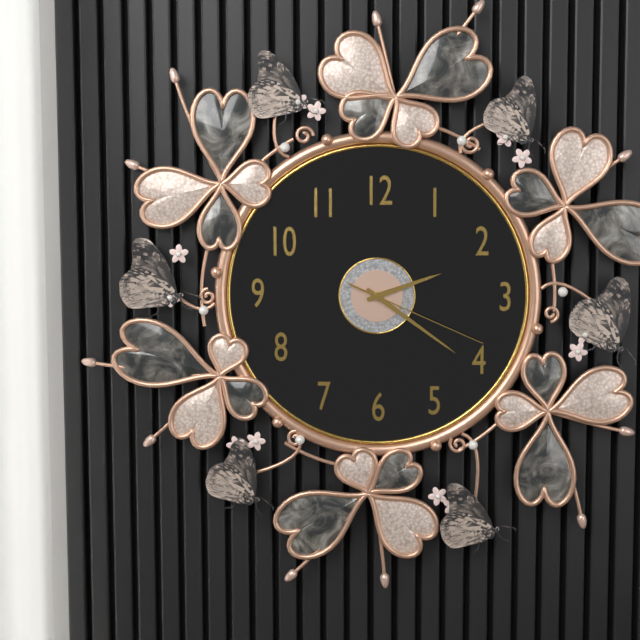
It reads 2,21,19
